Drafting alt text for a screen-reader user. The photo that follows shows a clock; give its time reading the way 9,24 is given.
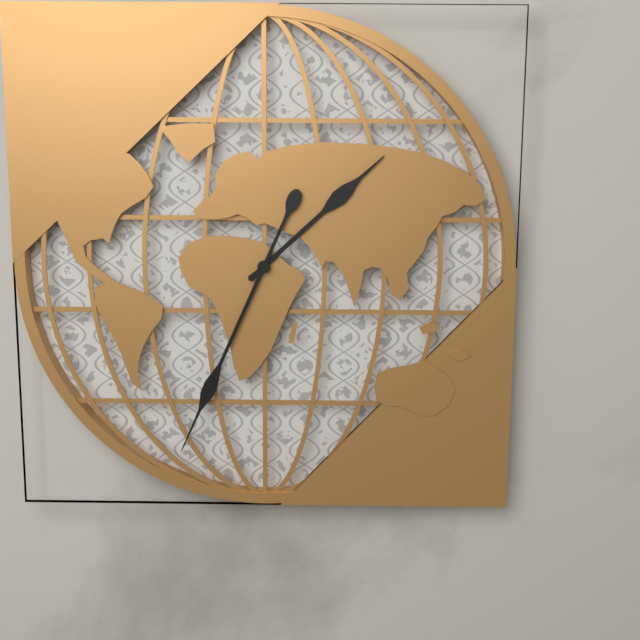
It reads 1,34
